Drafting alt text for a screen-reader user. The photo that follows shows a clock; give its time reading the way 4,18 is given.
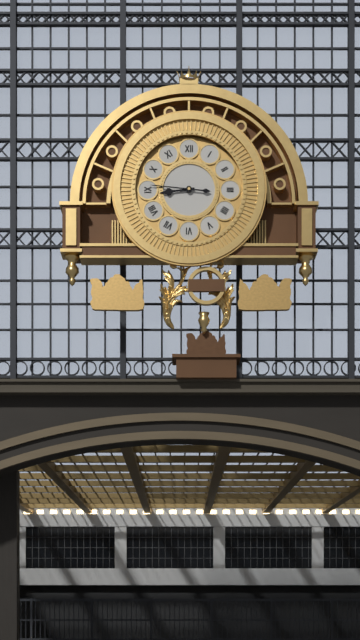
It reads 8,46
